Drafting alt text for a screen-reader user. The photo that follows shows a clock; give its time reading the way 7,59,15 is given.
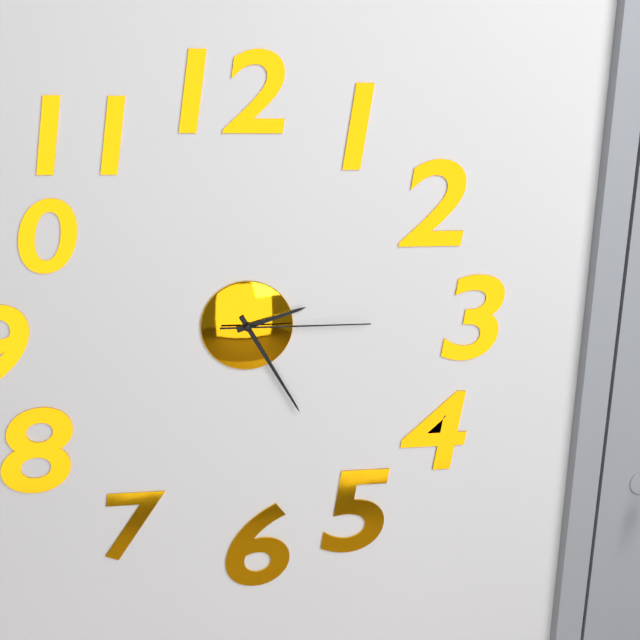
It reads 2,25,15
